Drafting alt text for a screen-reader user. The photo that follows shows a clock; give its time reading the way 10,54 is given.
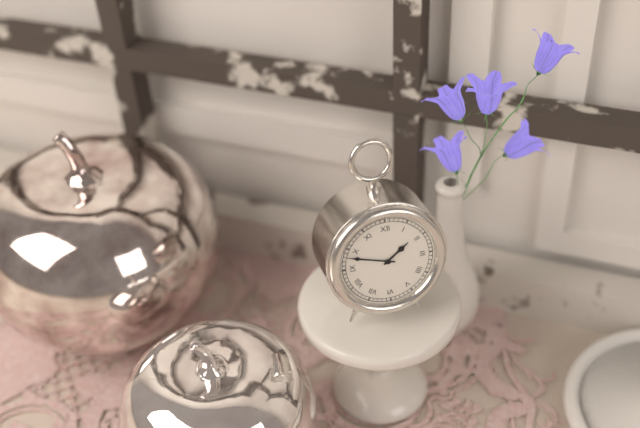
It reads 1,48
